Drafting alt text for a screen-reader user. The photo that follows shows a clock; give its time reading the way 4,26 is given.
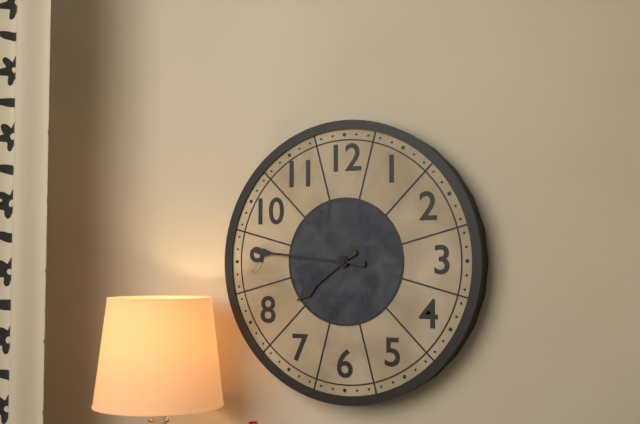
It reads 7,46
